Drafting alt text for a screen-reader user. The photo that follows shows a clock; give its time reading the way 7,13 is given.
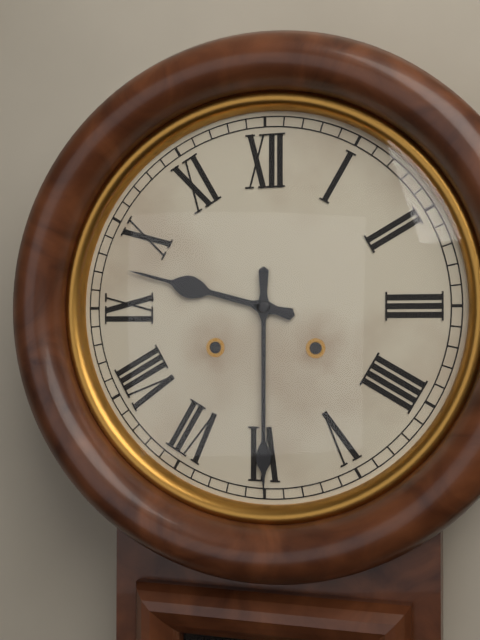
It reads 9,30
